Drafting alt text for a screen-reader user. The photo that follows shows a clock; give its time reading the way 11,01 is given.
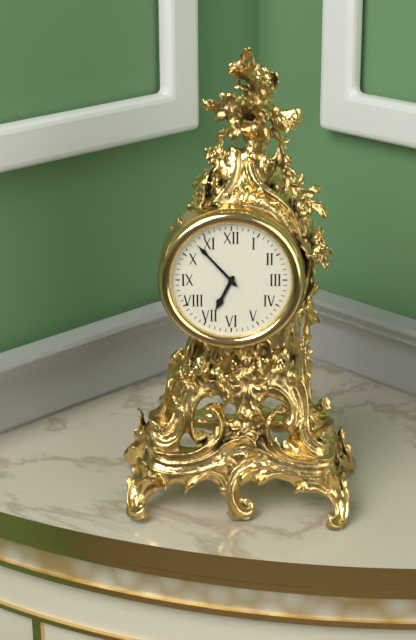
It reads 6,53
